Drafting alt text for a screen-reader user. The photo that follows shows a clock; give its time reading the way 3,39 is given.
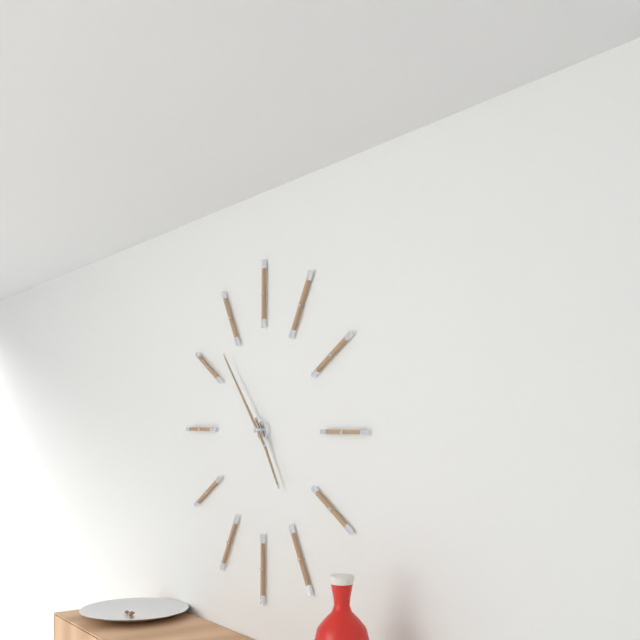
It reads 4,53
